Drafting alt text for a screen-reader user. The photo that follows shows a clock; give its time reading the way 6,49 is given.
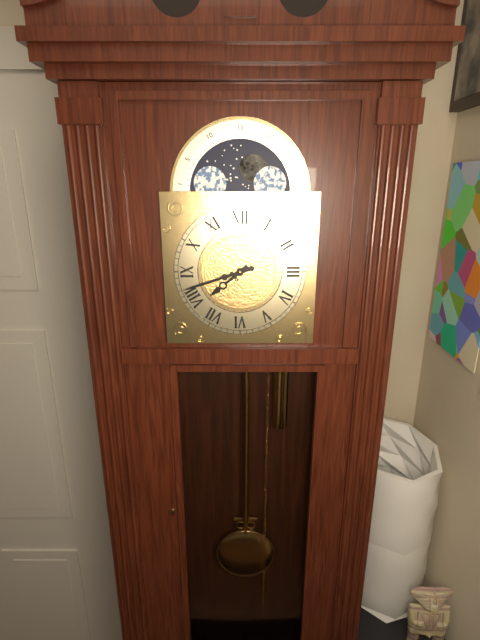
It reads 7,42
